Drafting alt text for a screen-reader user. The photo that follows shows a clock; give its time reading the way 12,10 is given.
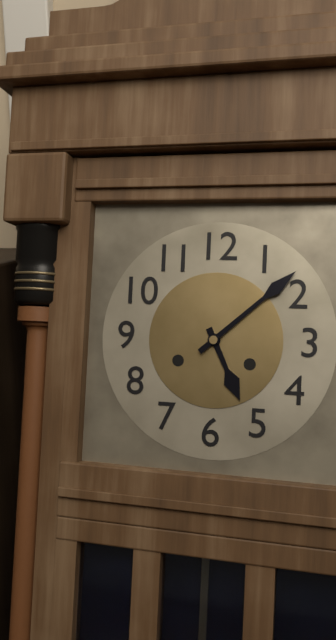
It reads 5,08
